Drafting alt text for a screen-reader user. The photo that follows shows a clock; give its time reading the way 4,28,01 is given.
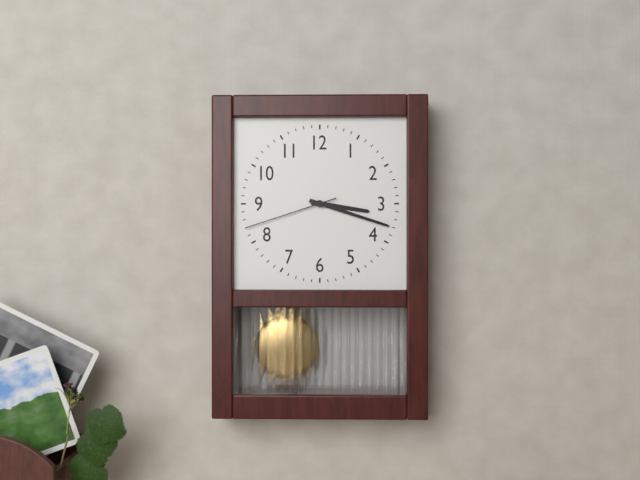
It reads 3,18,42
